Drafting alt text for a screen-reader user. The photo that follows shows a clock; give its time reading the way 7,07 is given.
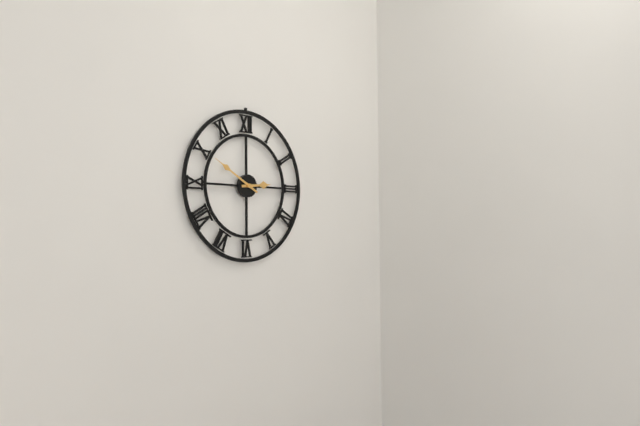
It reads 2,50
